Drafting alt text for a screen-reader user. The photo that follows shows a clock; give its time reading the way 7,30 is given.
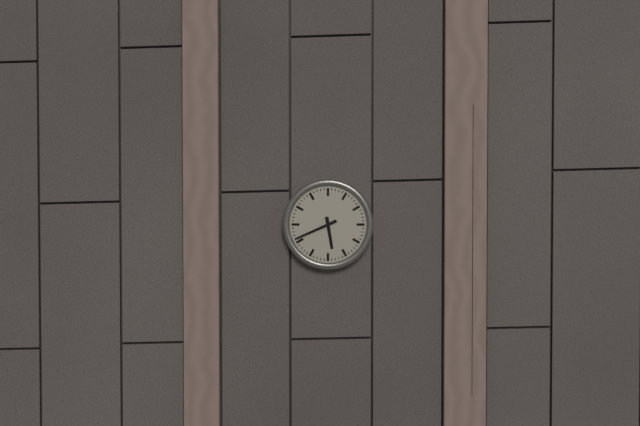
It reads 5,41
